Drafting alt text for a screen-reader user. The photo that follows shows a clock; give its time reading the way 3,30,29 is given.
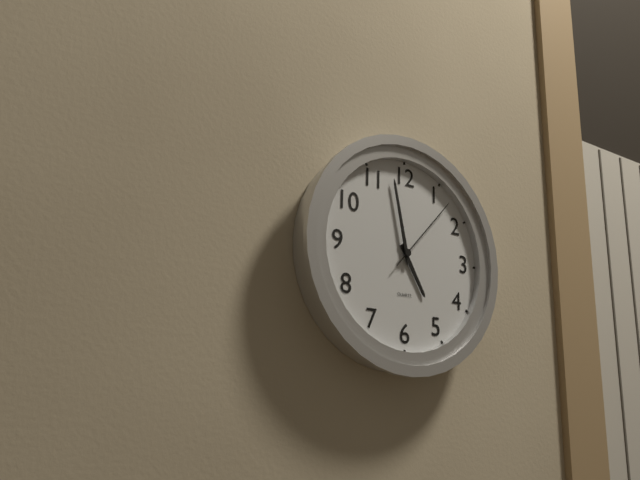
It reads 4,58,07
